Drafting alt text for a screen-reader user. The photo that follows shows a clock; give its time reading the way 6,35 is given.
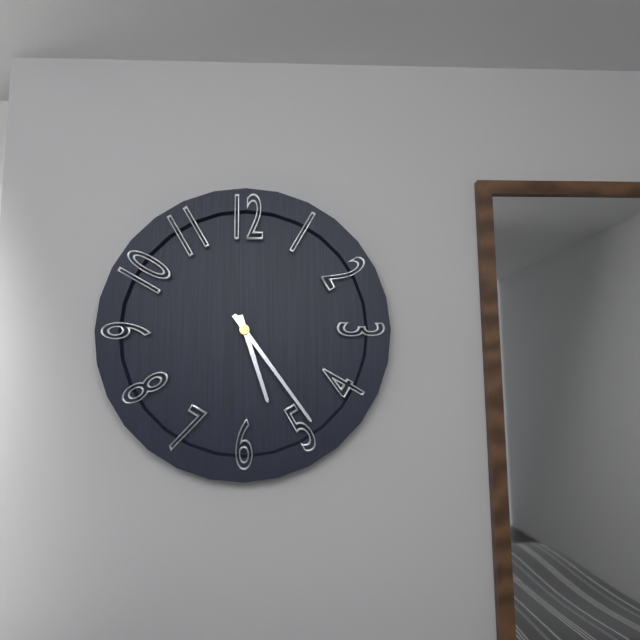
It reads 5,24
